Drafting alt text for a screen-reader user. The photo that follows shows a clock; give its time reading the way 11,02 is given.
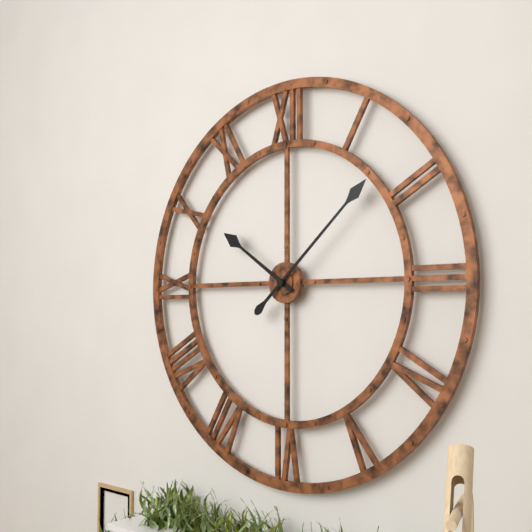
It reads 10,08
